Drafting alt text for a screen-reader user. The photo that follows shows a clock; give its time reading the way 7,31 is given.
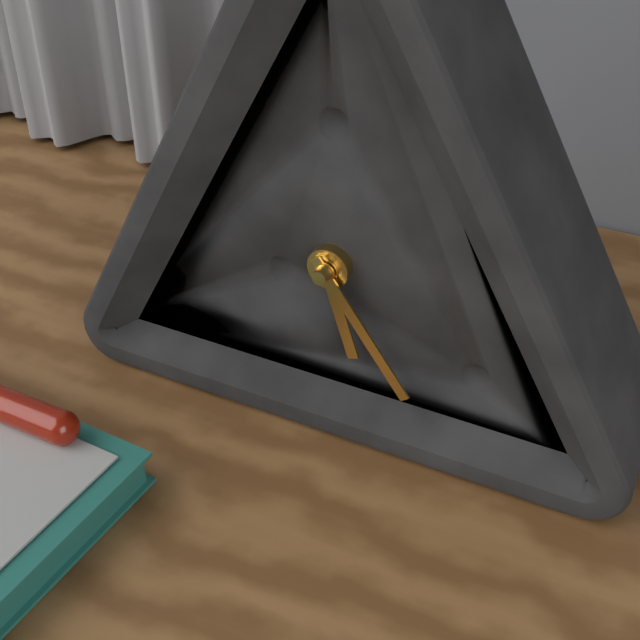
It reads 5,24
